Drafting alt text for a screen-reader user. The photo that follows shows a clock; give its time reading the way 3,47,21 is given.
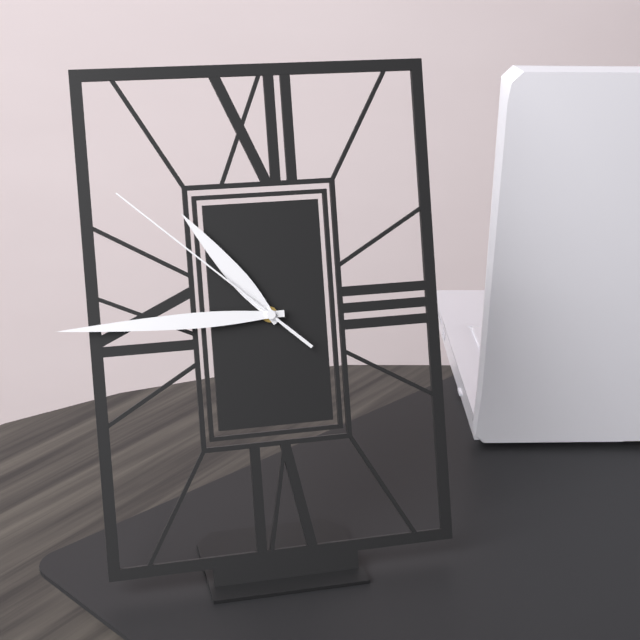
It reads 10,45,52
